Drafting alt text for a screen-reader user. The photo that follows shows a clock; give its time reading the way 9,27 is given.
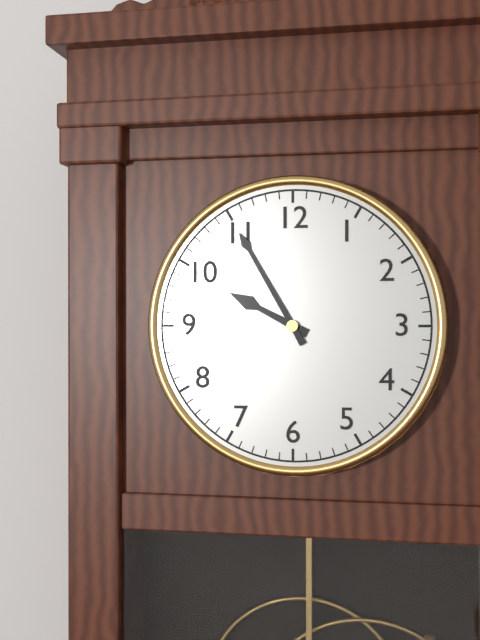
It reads 9,55
